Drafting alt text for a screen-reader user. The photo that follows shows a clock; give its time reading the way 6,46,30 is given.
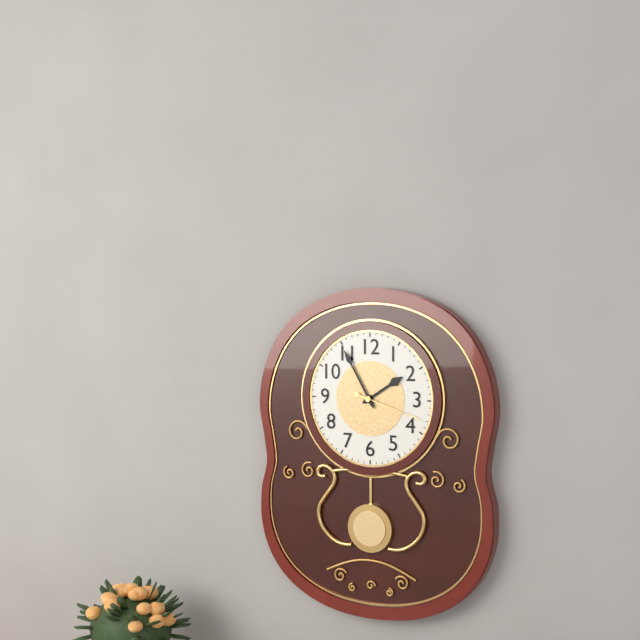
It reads 1,55,18
